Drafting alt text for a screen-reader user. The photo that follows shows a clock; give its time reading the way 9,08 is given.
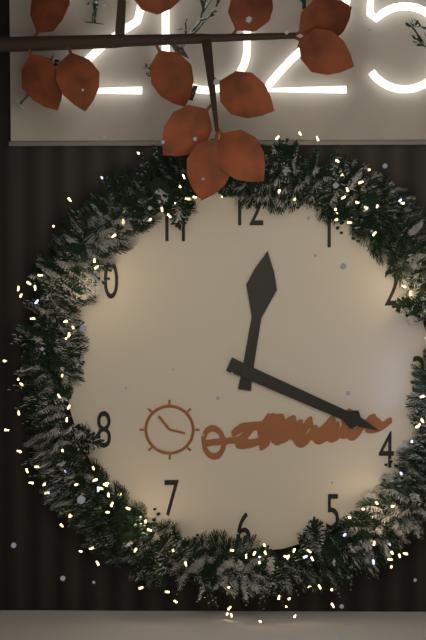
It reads 12,19
